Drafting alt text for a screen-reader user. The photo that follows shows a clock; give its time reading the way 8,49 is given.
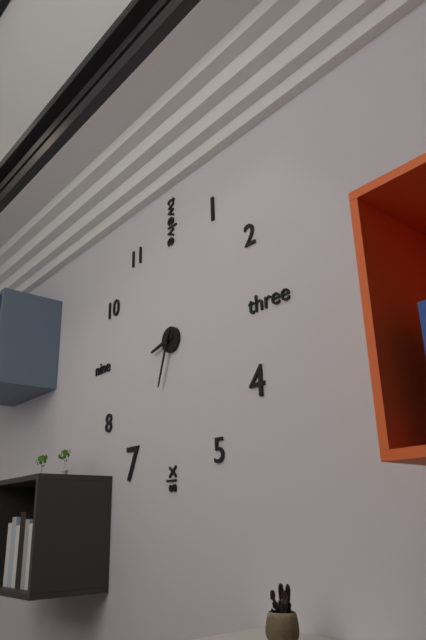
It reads 8,33
